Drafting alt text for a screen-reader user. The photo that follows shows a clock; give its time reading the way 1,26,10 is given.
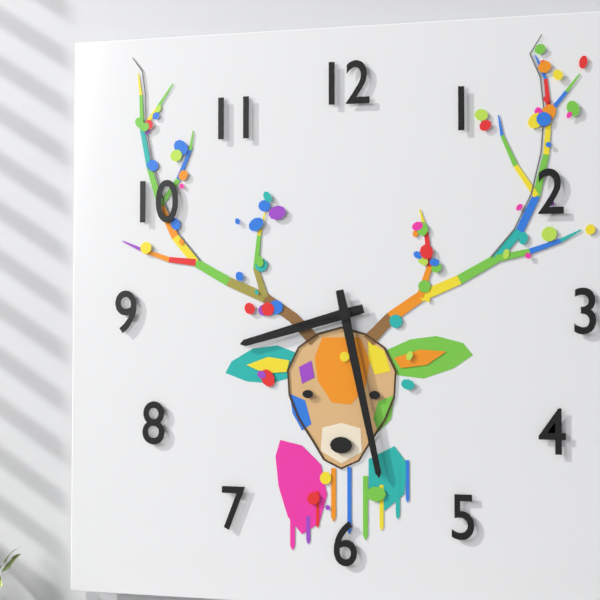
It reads 8,28,43
